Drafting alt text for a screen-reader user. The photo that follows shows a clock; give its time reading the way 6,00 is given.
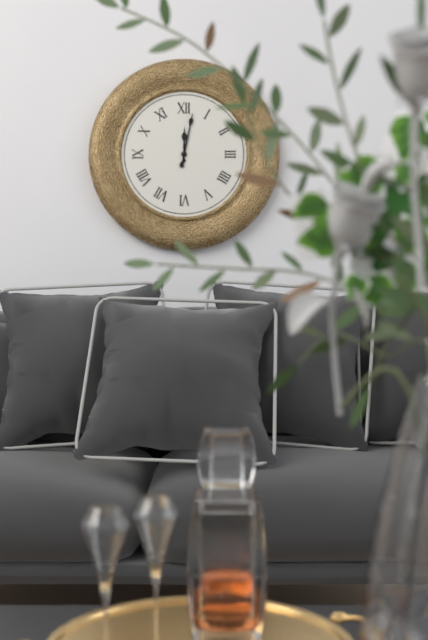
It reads 12,02
